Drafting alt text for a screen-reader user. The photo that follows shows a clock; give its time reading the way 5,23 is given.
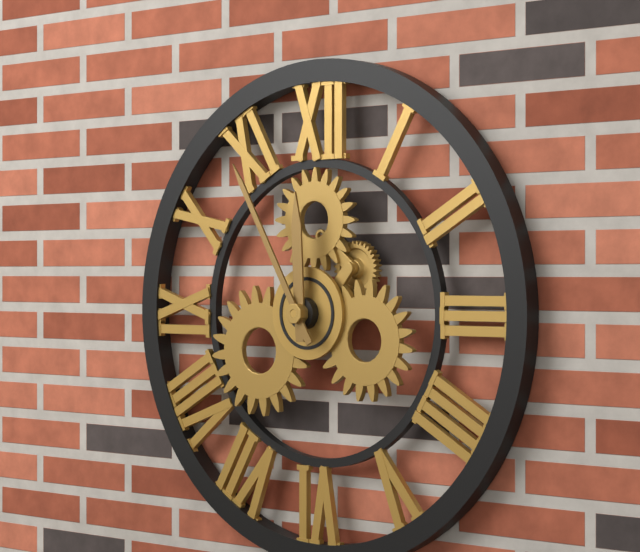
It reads 11,55
